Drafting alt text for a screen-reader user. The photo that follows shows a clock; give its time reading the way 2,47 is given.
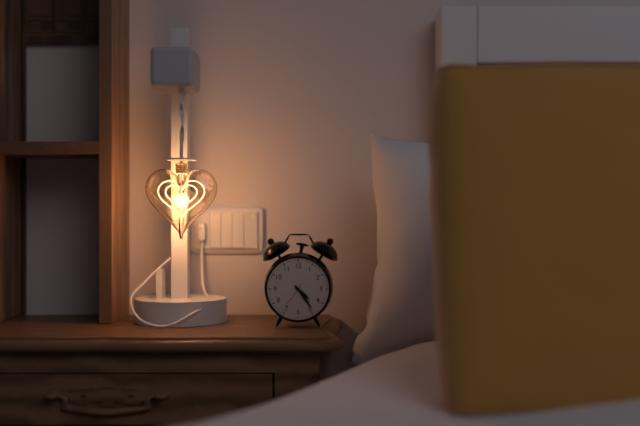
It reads 4,24
